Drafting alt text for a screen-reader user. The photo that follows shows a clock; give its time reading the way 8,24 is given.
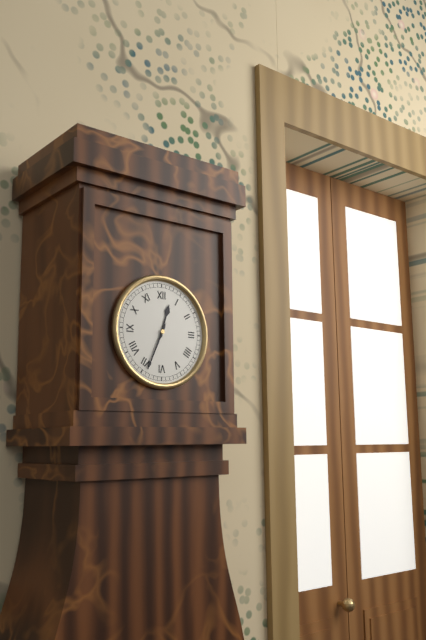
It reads 12,34
